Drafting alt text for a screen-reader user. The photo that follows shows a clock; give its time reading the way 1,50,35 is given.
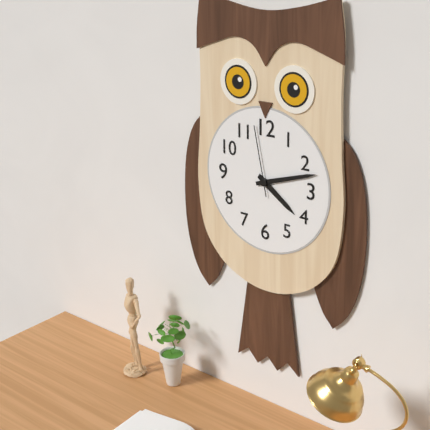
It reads 4,12,58
